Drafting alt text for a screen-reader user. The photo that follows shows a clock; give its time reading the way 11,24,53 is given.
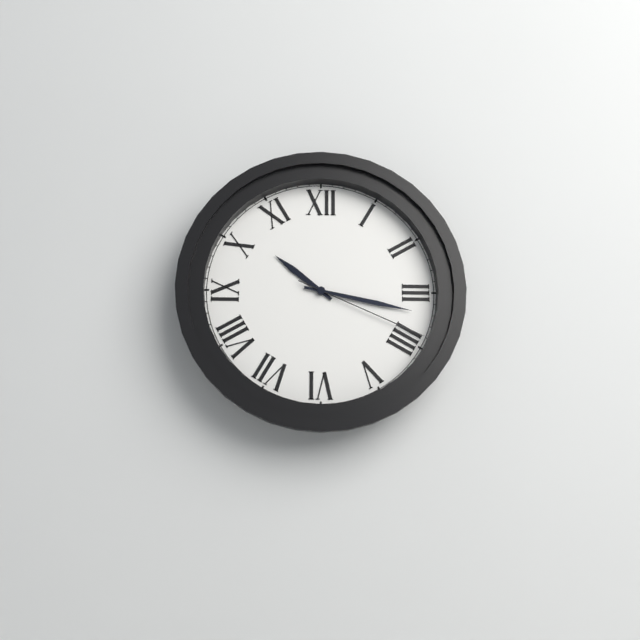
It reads 10,17,19
